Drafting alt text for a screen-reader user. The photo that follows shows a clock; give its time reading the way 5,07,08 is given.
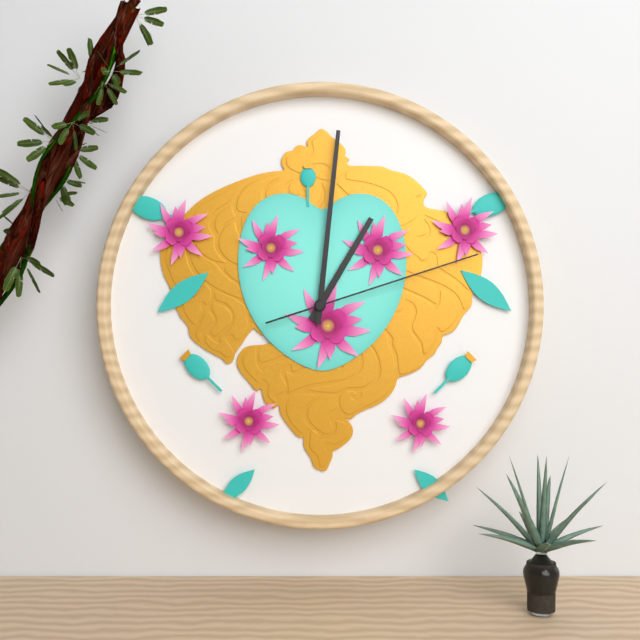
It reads 1,01,12
